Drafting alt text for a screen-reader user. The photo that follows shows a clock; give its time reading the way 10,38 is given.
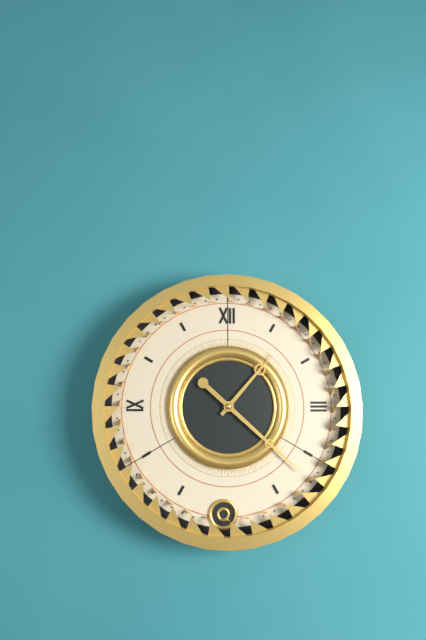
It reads 1,22
